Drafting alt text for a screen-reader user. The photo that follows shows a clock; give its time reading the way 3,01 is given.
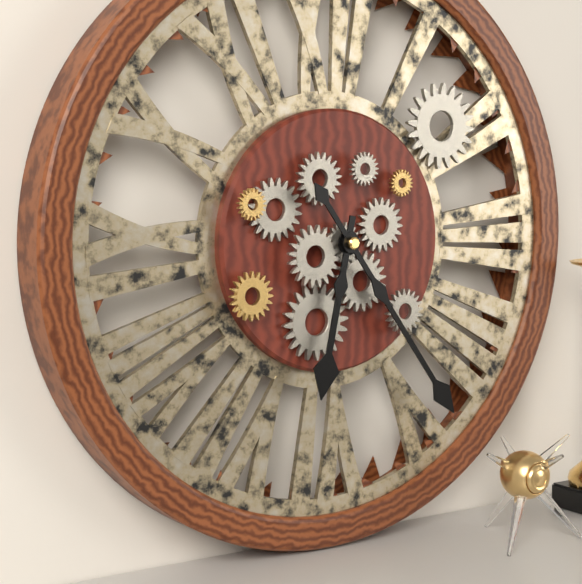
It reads 6,24
